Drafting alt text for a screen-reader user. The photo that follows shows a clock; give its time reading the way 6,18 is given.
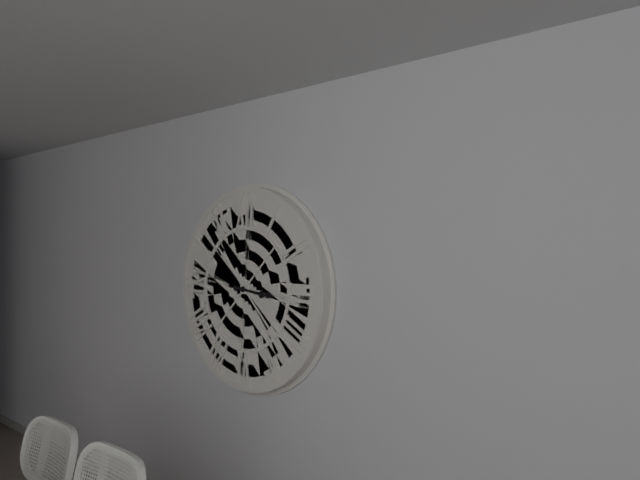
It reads 3,16
